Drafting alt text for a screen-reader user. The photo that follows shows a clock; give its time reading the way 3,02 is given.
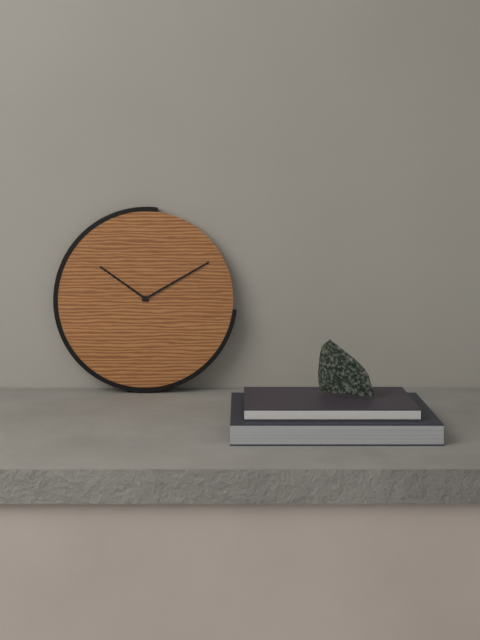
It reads 10,10
